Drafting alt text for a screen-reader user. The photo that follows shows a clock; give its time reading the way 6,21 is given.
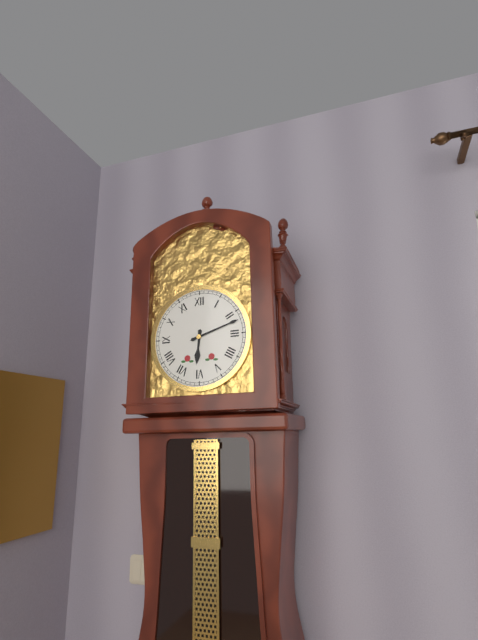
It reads 6,12
